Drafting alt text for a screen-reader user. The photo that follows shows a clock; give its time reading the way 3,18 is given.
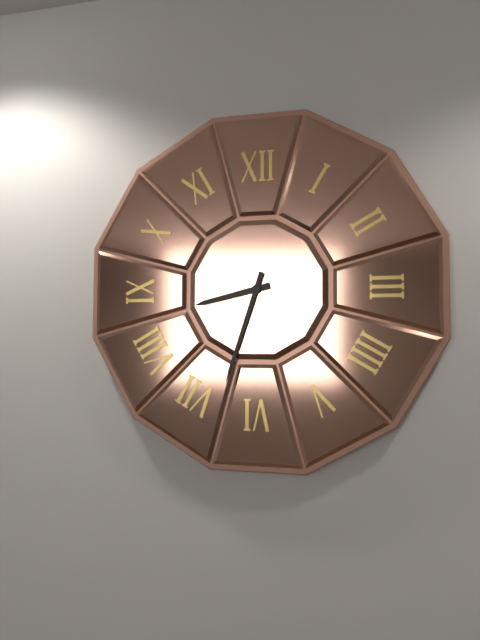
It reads 8,33
